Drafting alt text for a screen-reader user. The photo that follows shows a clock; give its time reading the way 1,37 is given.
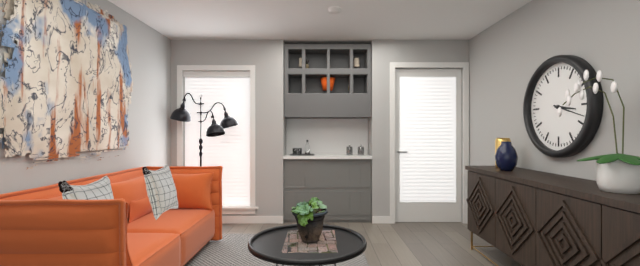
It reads 3,18
